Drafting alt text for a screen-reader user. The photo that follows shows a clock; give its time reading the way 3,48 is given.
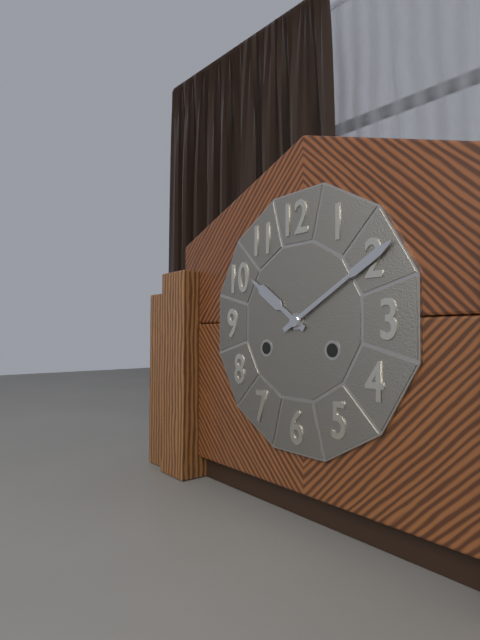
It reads 10,10
